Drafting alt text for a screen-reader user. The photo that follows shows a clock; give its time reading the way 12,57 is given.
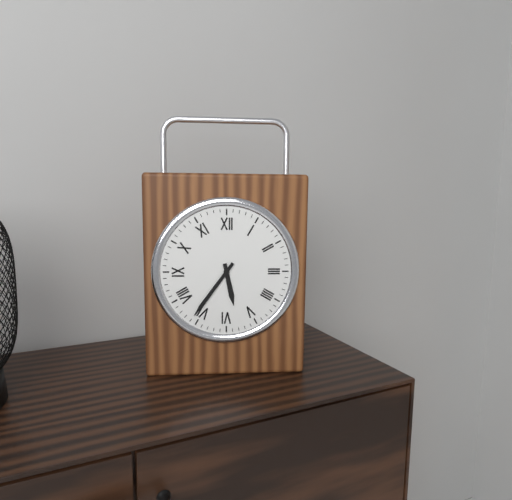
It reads 5,36
